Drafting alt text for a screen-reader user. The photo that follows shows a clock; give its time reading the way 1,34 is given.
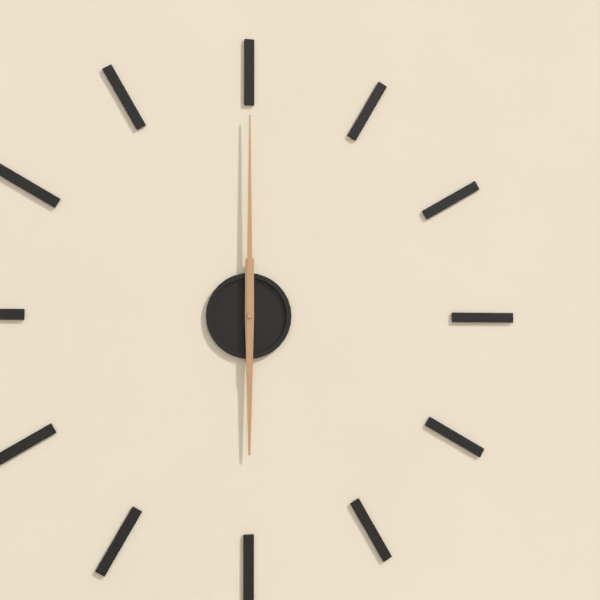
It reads 6,00
